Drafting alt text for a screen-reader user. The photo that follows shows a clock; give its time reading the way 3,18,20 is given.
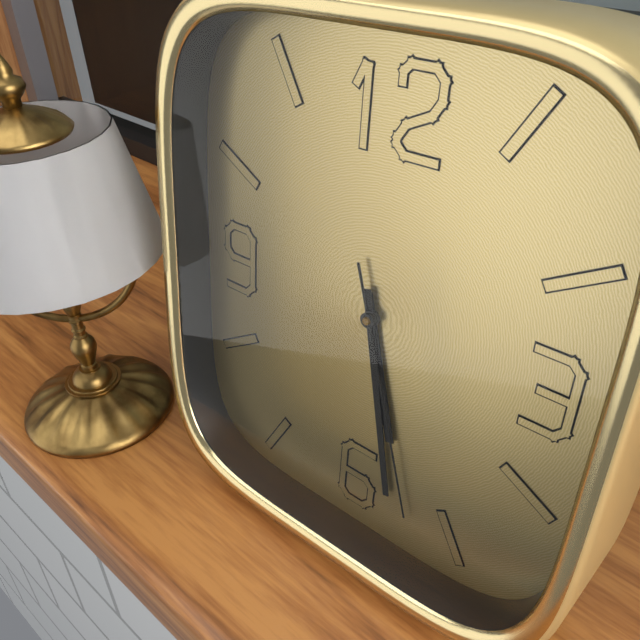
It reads 5,28,27
